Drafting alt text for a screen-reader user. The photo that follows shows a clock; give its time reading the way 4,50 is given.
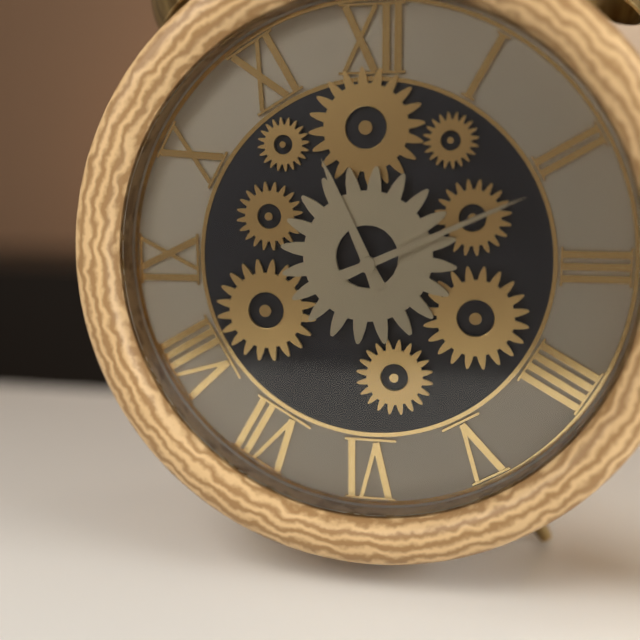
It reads 11,11
